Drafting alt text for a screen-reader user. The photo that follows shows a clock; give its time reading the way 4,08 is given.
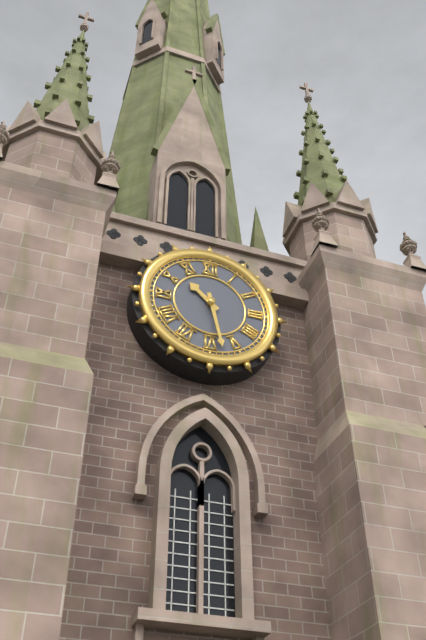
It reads 10,28
